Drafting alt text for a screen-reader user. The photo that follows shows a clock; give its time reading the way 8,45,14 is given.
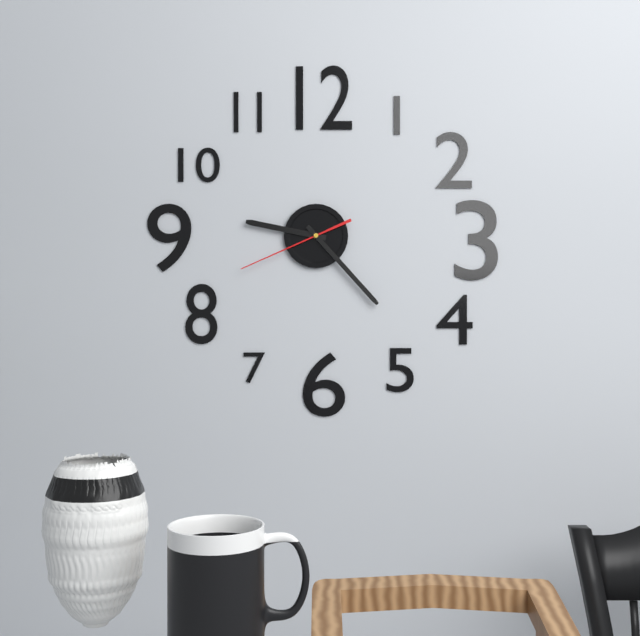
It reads 9,23,41
